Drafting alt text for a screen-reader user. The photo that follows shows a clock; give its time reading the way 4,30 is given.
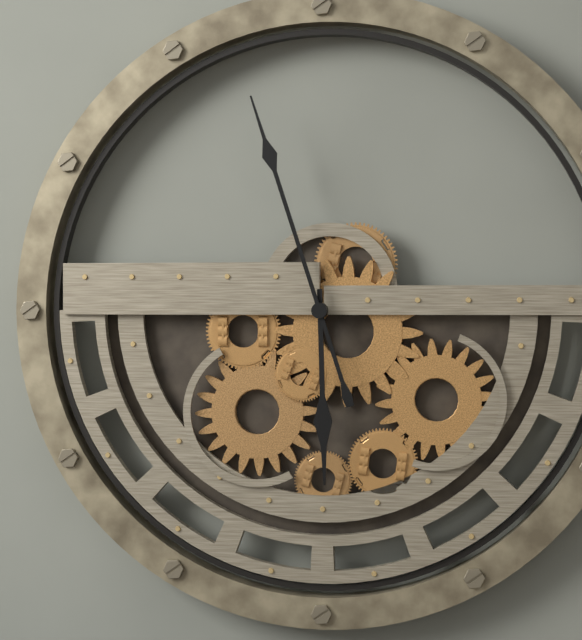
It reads 5,57
